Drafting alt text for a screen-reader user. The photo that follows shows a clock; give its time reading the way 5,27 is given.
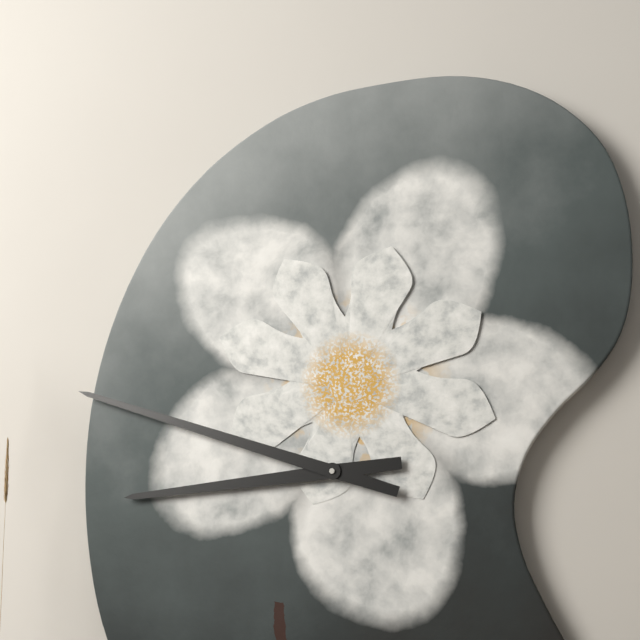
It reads 8,48
